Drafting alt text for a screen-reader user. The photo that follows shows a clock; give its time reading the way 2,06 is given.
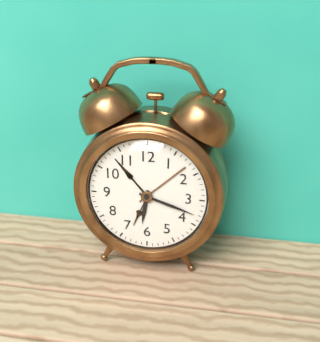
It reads 6,18
